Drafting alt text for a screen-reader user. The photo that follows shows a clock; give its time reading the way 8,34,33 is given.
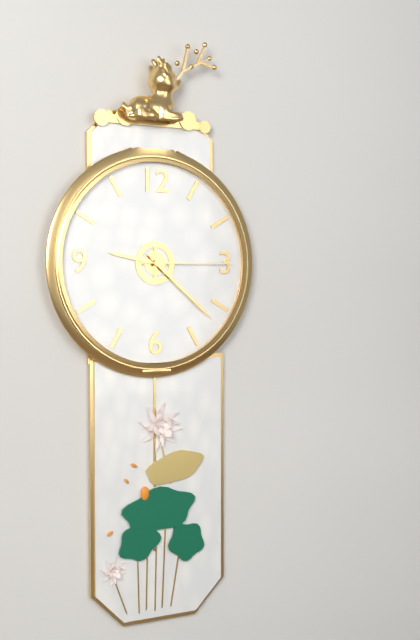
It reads 9,22,15
